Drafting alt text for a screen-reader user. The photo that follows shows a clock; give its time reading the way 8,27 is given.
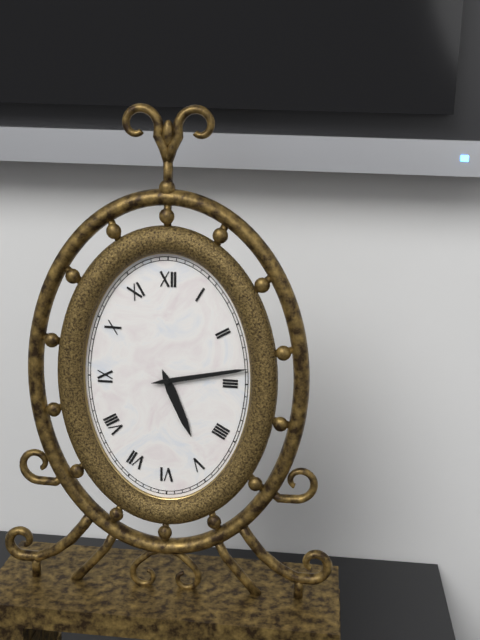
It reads 5,13
